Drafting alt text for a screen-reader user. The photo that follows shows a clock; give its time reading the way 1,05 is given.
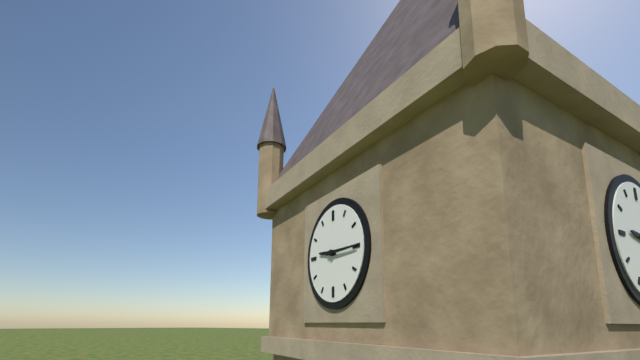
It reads 9,15
